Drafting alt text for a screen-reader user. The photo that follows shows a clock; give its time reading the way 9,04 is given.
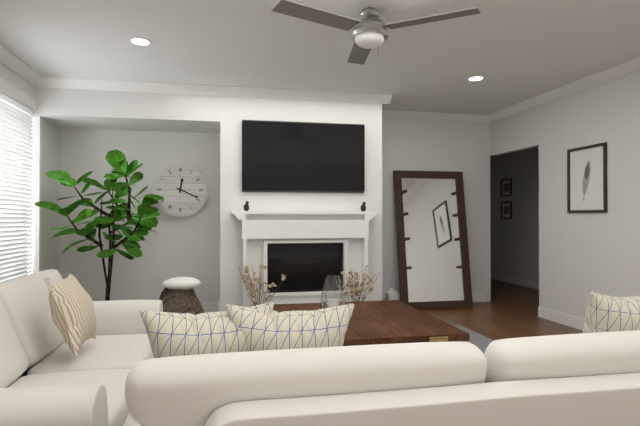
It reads 12,19
